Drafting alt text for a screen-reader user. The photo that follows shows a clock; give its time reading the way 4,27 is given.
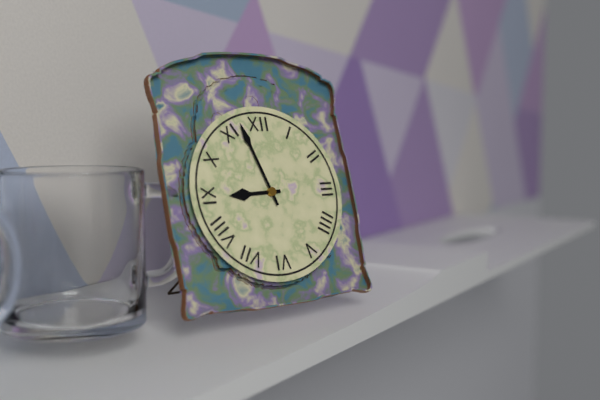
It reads 8,57
